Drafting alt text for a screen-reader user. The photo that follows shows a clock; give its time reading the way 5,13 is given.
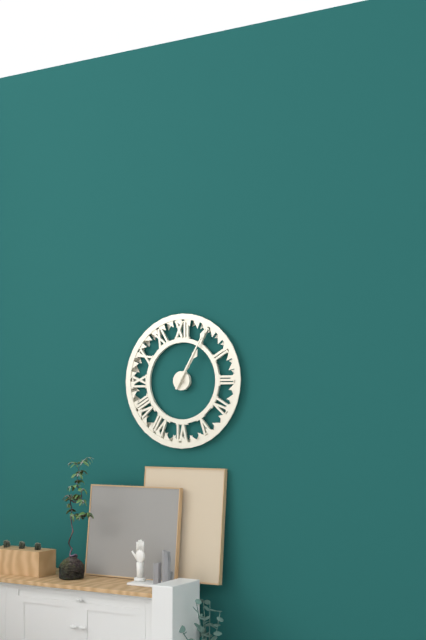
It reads 1,05
